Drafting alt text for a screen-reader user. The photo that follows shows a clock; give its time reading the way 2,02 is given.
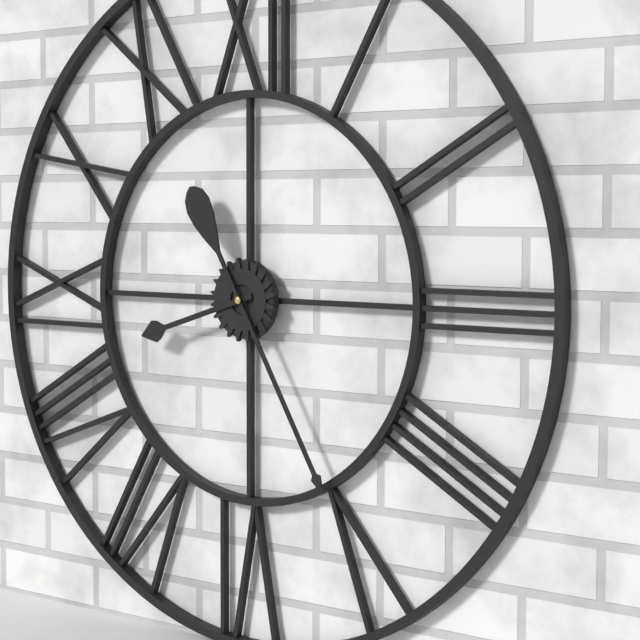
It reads 8,25
